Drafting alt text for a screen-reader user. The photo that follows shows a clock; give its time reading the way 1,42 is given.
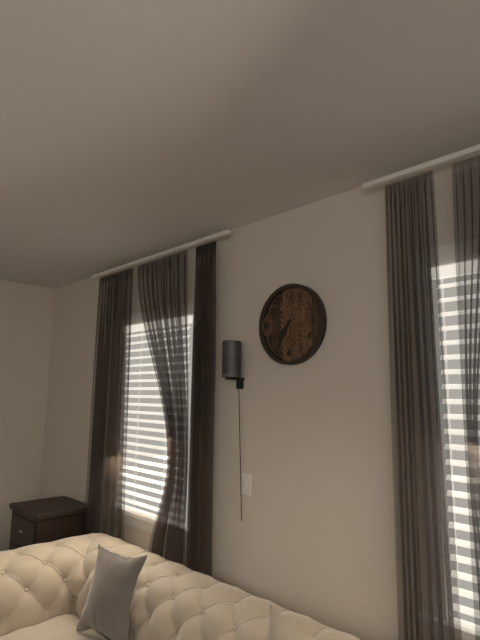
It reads 7,35
